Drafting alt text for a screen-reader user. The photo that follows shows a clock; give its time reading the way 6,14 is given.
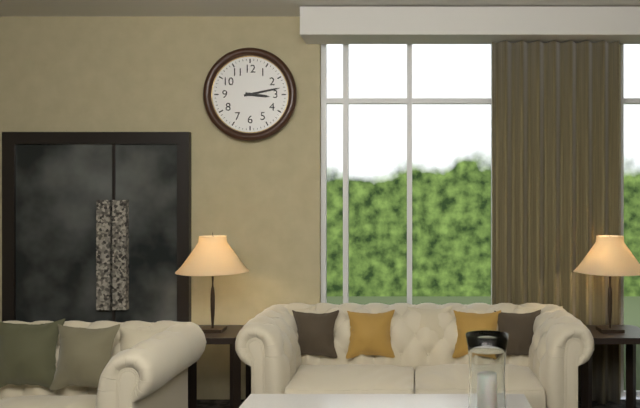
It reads 3,13
